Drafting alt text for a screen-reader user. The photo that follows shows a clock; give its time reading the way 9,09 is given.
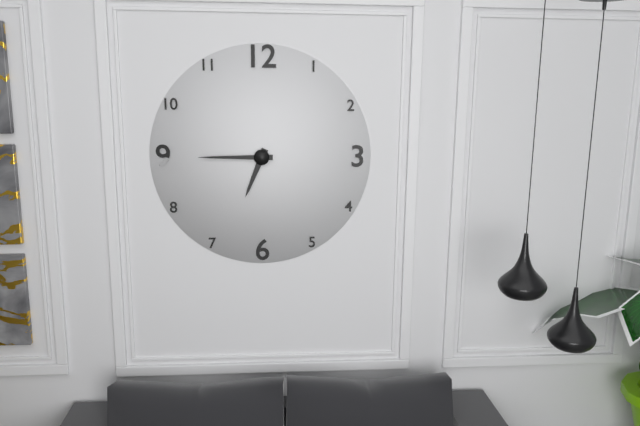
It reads 6,45
